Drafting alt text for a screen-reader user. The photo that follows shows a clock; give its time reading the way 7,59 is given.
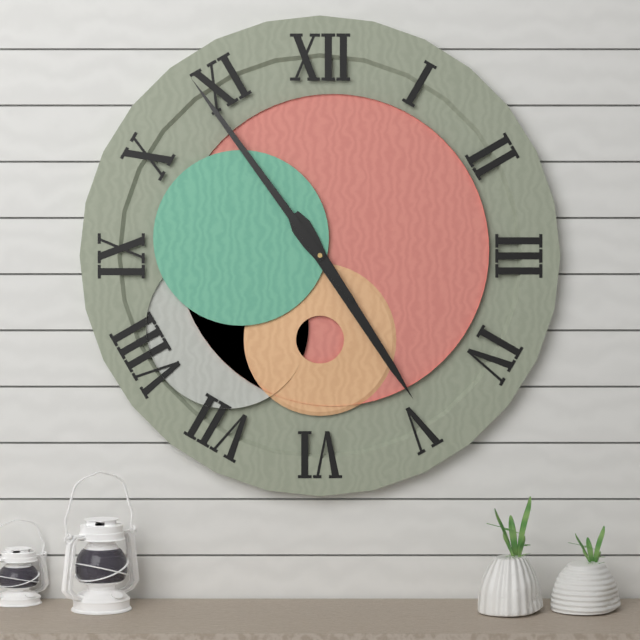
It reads 4,54
